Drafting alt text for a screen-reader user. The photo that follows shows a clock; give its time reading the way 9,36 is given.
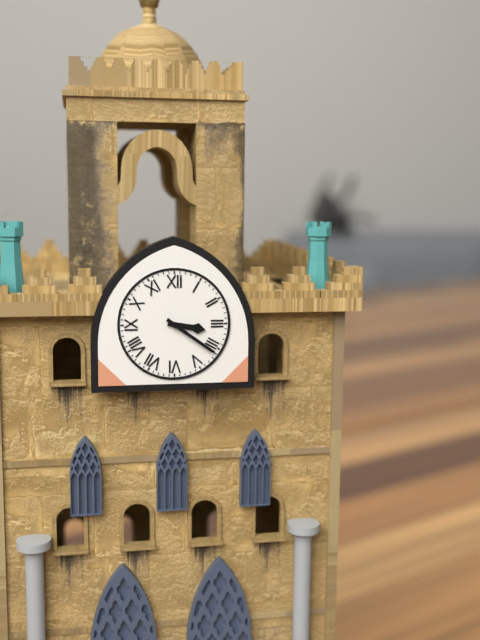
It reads 3,21
